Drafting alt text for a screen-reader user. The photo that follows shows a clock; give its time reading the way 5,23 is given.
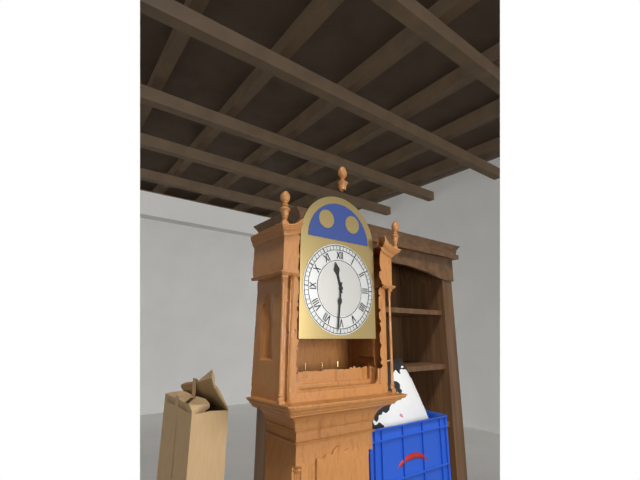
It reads 11,31
